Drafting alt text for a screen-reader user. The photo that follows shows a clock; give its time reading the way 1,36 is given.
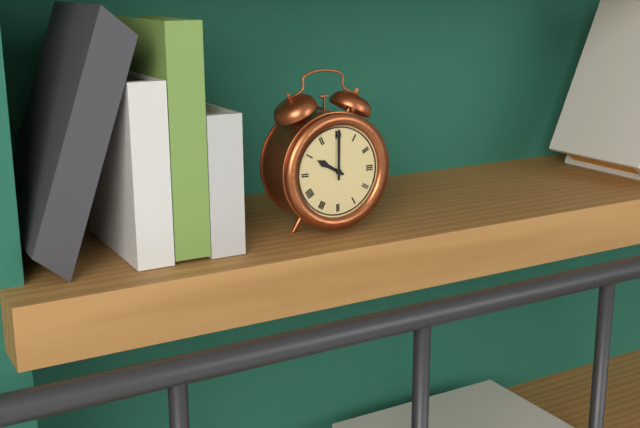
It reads 10,00
